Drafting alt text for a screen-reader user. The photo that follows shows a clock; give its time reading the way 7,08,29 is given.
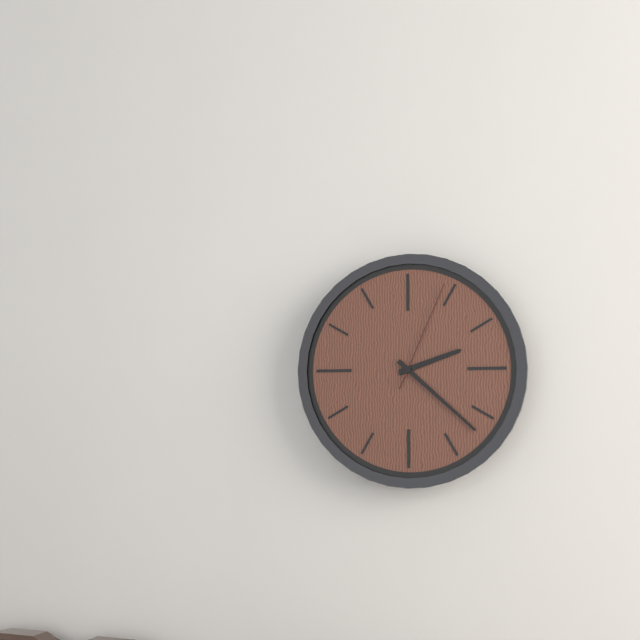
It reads 2,22,04
